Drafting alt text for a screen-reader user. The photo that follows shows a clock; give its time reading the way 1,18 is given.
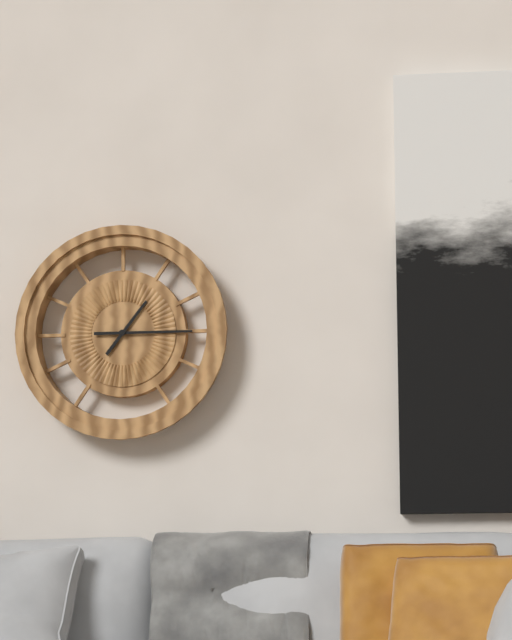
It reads 1,15
